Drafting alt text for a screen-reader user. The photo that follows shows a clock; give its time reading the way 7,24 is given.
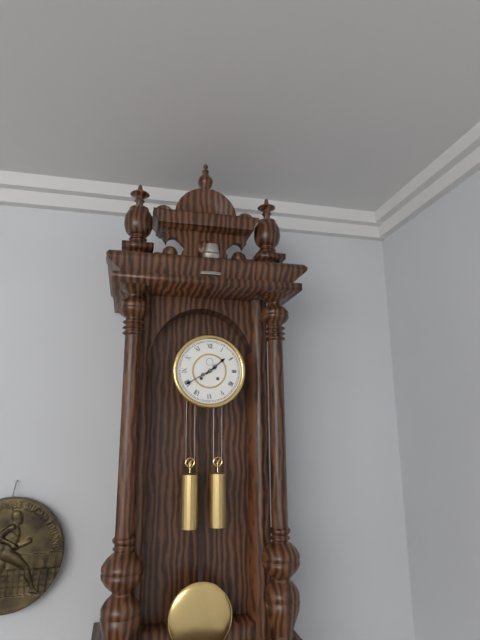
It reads 1,40
